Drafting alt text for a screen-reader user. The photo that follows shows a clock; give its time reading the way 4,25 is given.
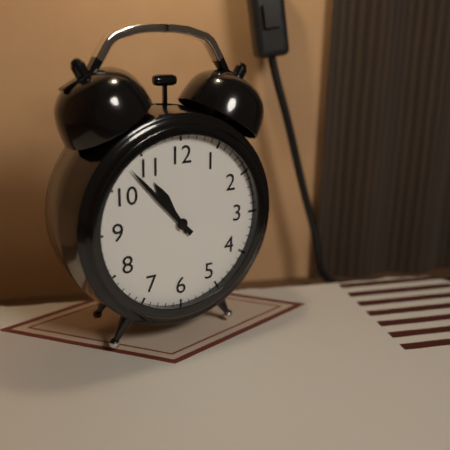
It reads 10,53
